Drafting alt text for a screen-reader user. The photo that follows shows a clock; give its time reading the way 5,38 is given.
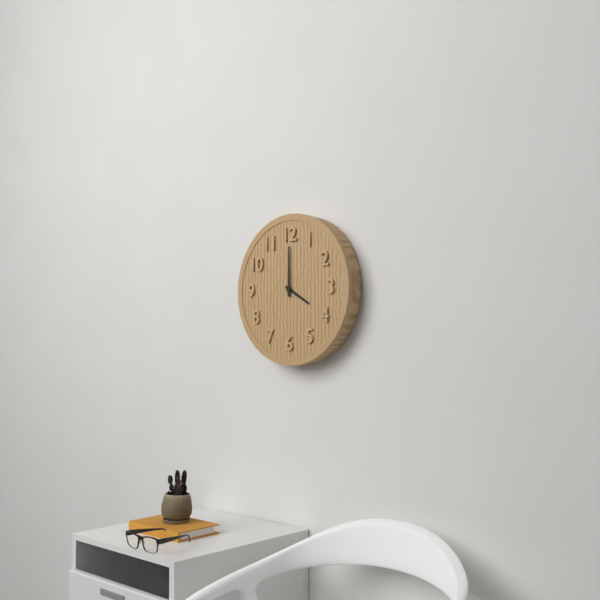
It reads 4,00
